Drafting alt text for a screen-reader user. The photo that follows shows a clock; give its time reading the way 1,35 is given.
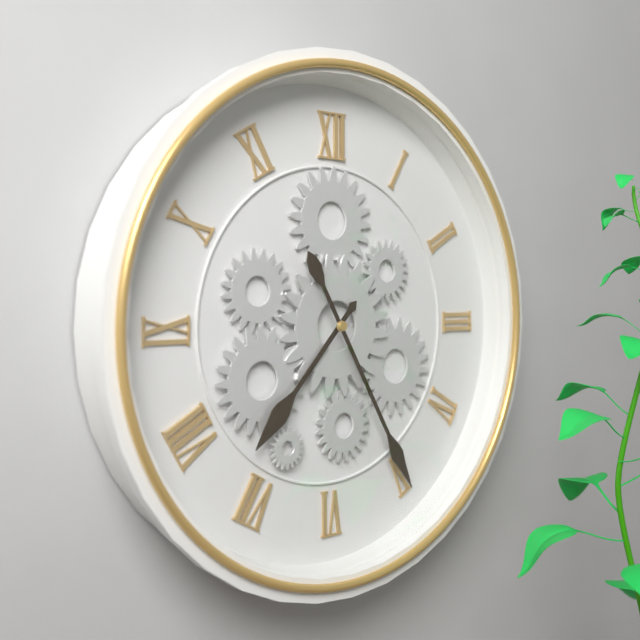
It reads 7,25
